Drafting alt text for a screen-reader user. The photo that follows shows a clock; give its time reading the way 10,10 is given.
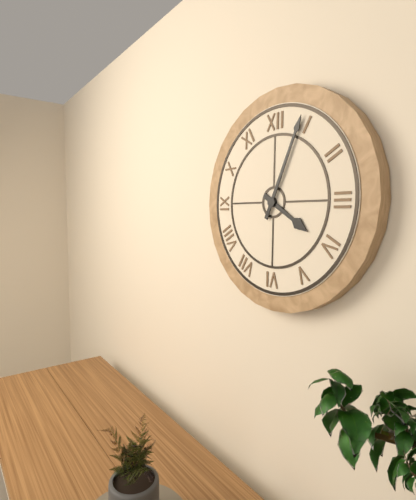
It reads 4,04
